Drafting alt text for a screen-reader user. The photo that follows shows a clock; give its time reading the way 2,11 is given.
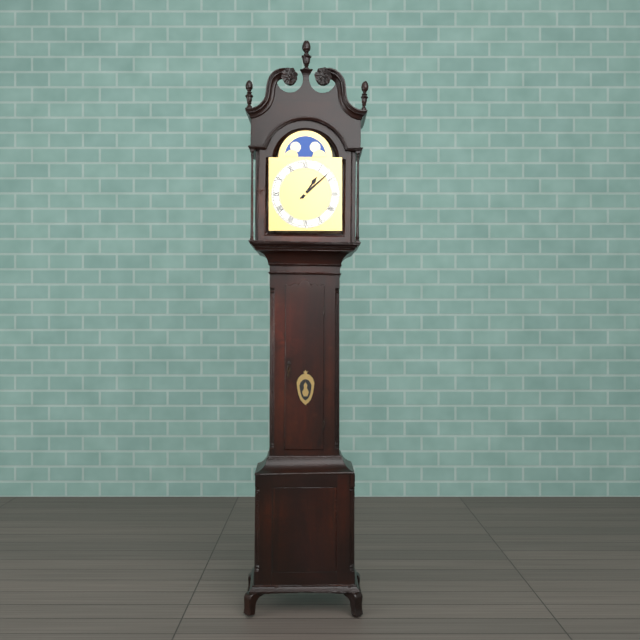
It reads 1,08
